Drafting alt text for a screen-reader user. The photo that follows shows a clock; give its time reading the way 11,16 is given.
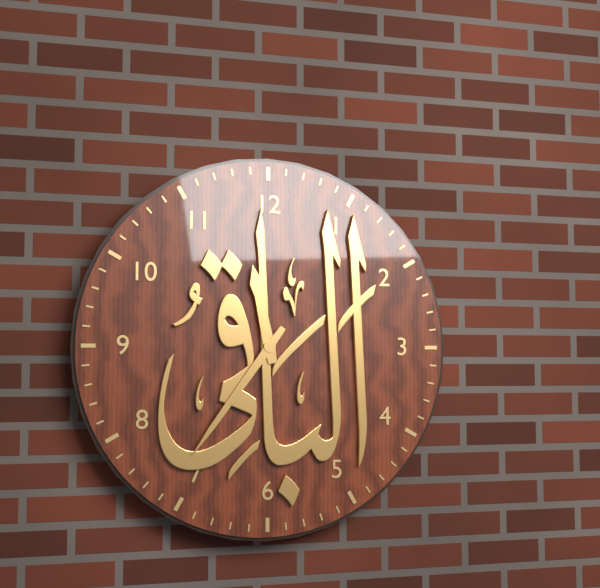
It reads 11,36
